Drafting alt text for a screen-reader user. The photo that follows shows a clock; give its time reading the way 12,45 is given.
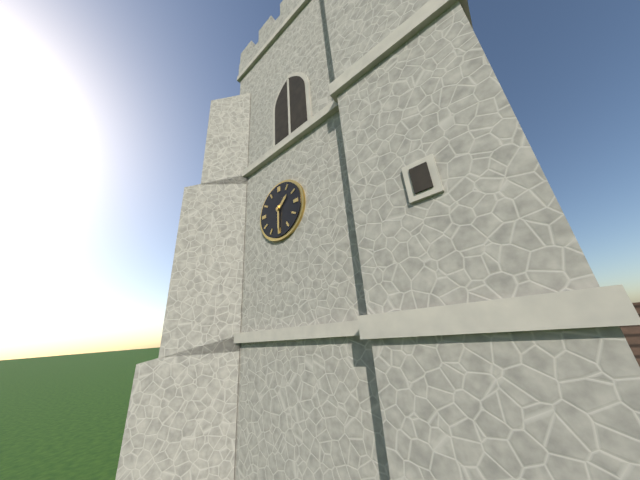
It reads 1,30
